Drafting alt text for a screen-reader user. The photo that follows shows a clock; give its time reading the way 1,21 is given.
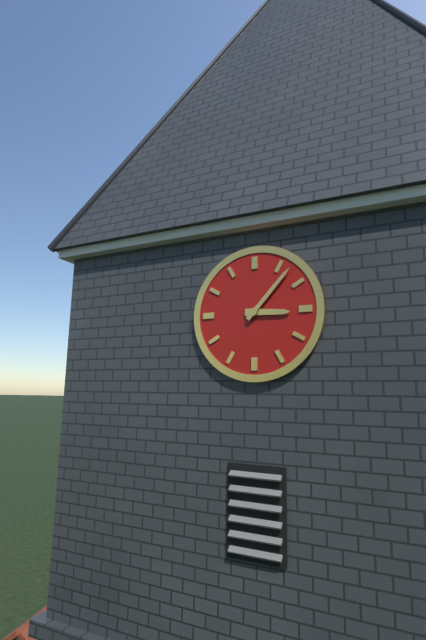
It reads 3,07
